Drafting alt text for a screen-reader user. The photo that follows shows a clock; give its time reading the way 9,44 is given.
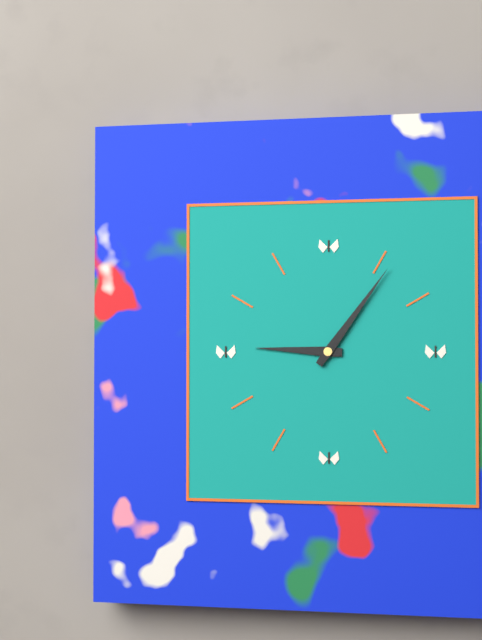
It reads 9,06
